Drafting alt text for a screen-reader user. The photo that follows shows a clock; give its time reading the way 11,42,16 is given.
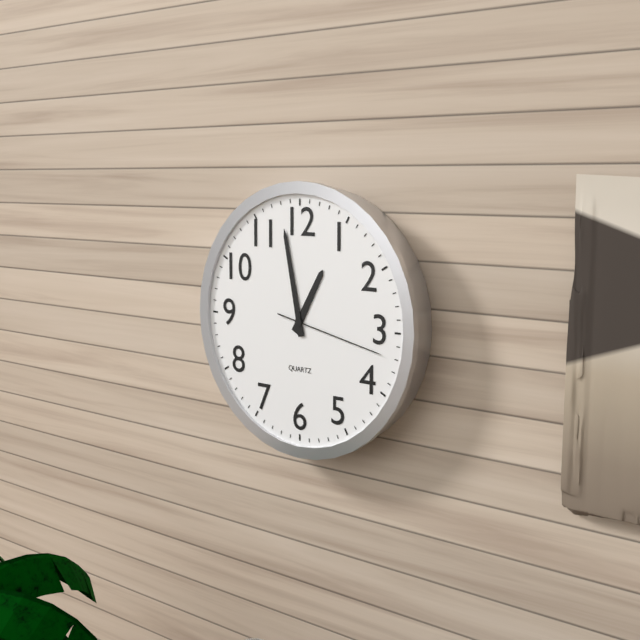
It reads 12,58,17
